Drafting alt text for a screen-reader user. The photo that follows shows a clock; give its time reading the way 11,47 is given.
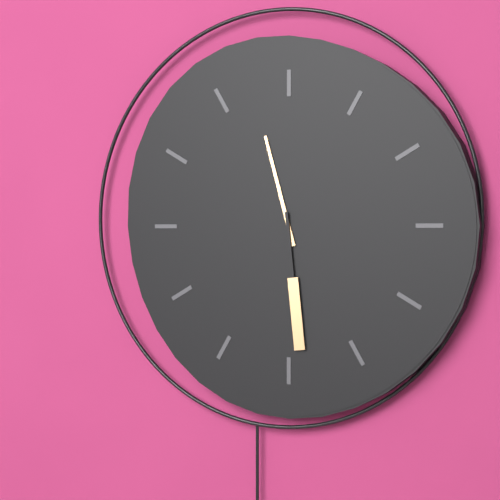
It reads 11,29
